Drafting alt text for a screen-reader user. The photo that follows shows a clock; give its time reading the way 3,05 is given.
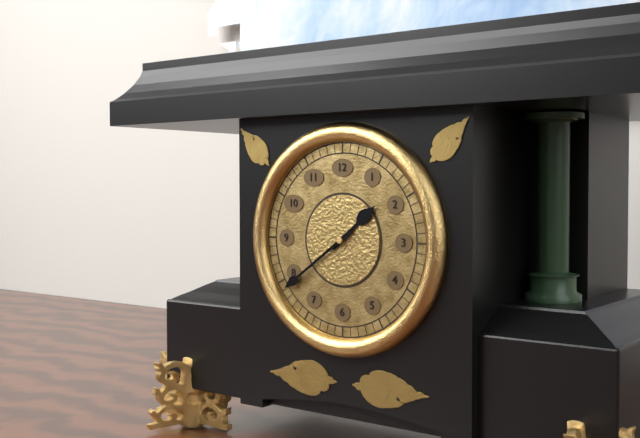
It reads 1,39
